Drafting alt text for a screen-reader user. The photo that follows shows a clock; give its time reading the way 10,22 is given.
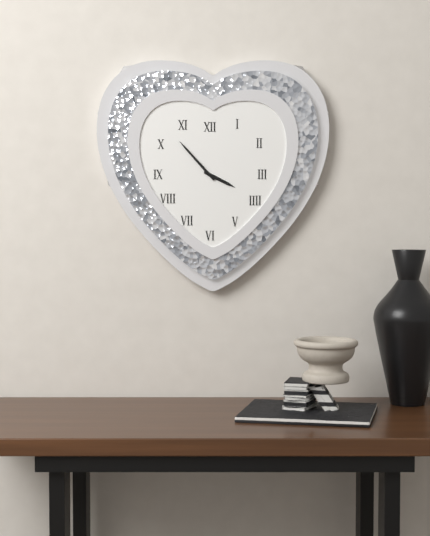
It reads 3,53
